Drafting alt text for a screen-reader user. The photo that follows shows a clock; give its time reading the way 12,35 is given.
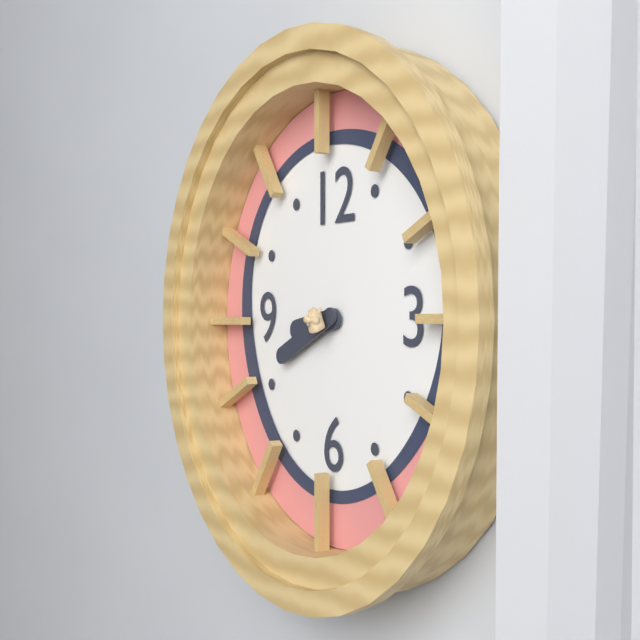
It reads 8,41
